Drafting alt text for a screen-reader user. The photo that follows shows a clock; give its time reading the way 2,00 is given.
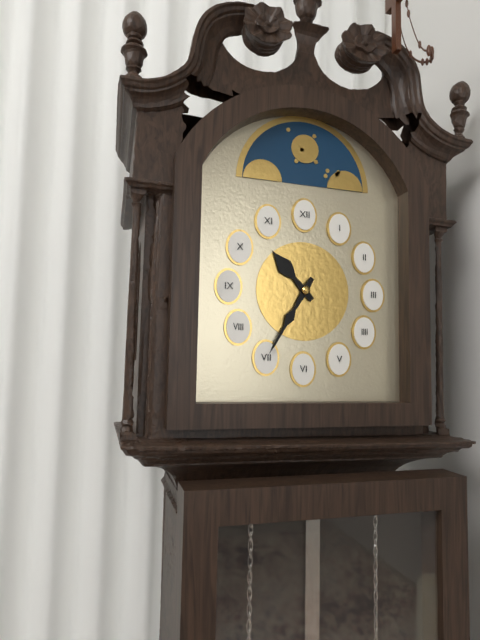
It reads 10,35
